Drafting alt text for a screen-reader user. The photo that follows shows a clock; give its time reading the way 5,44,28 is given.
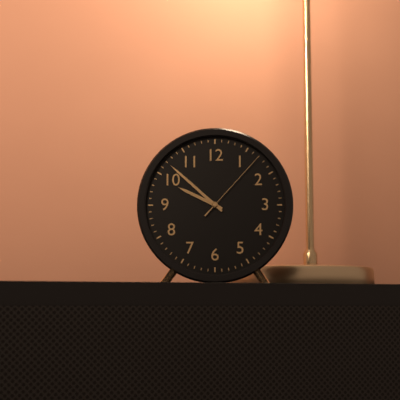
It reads 9,52,07
